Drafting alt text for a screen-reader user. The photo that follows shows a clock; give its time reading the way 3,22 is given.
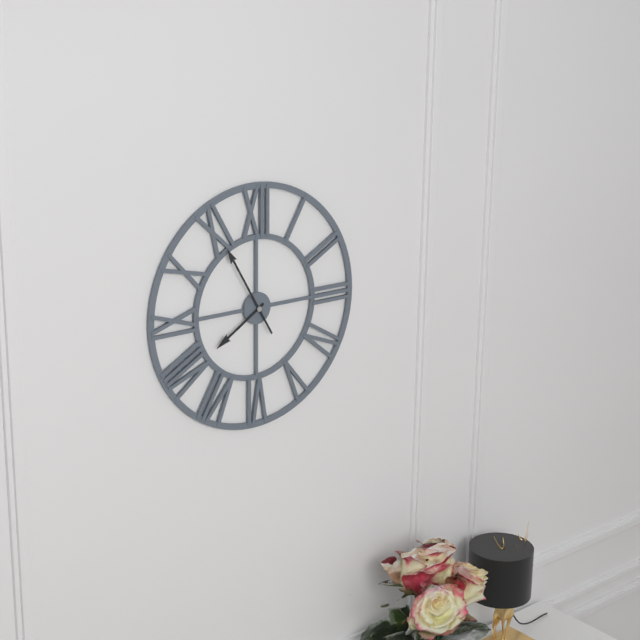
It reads 7,55
